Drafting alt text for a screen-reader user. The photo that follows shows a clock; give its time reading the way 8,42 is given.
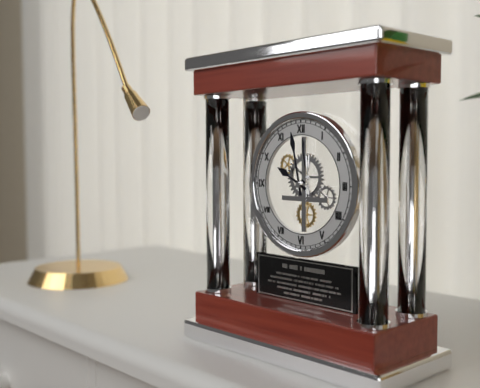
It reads 9,58
